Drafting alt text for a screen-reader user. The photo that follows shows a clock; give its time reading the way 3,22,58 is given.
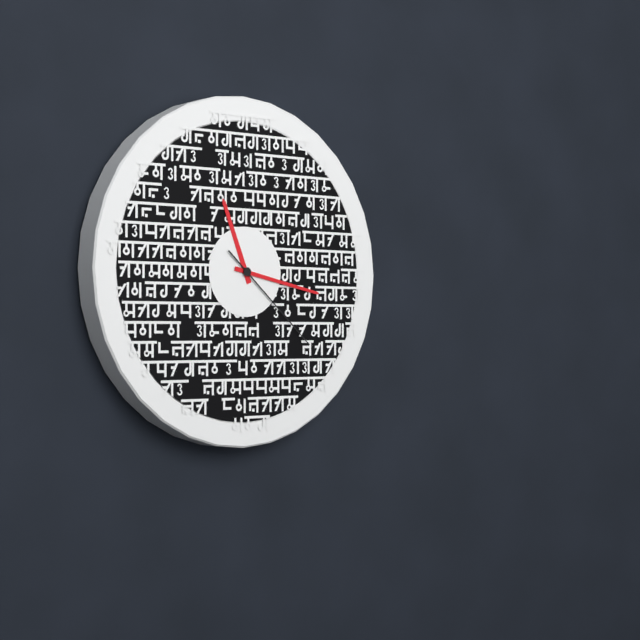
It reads 11,17,22
